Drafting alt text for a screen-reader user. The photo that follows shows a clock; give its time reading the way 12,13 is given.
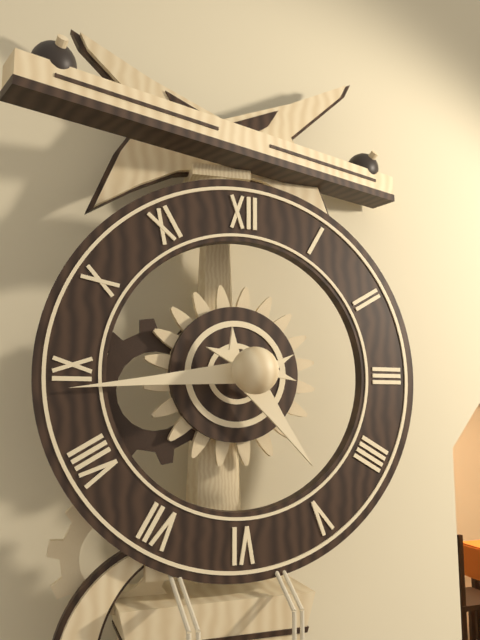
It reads 4,44
